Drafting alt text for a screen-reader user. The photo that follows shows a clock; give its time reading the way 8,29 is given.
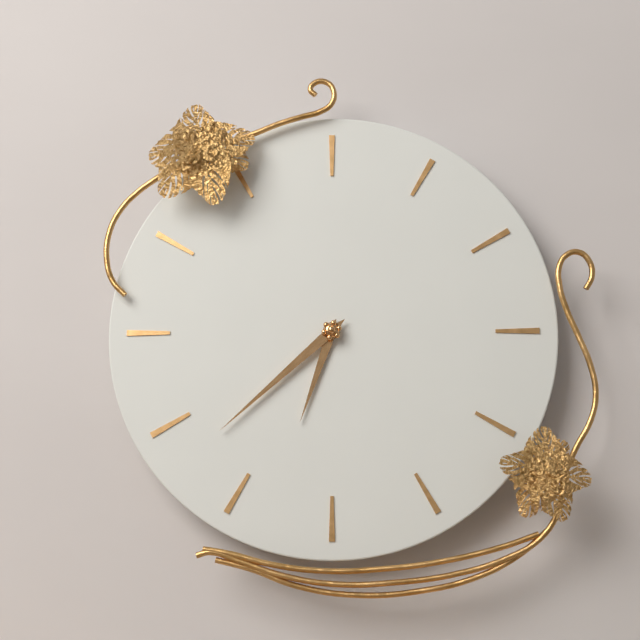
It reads 6,38
